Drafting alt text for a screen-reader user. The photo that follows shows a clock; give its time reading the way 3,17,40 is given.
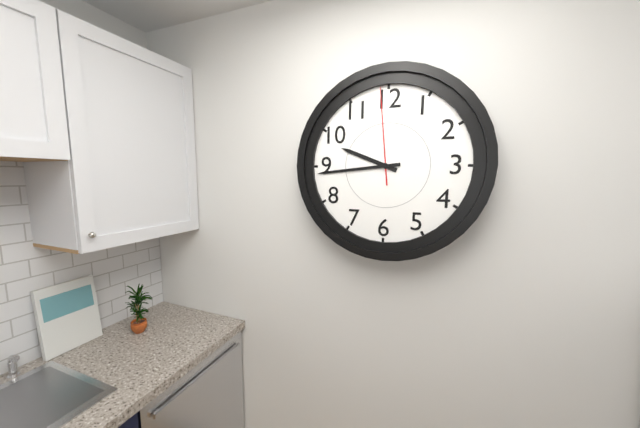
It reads 9,44,59
